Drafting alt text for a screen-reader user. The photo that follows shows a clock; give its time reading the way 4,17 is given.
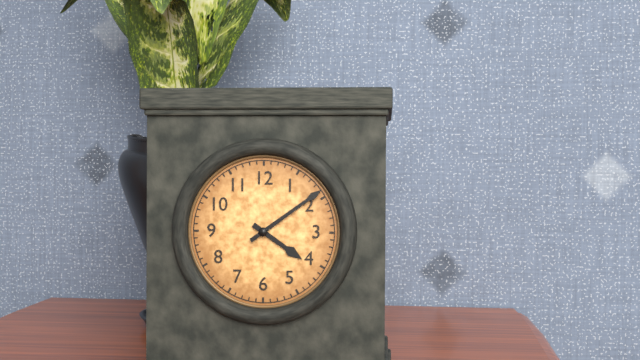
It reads 4,09
